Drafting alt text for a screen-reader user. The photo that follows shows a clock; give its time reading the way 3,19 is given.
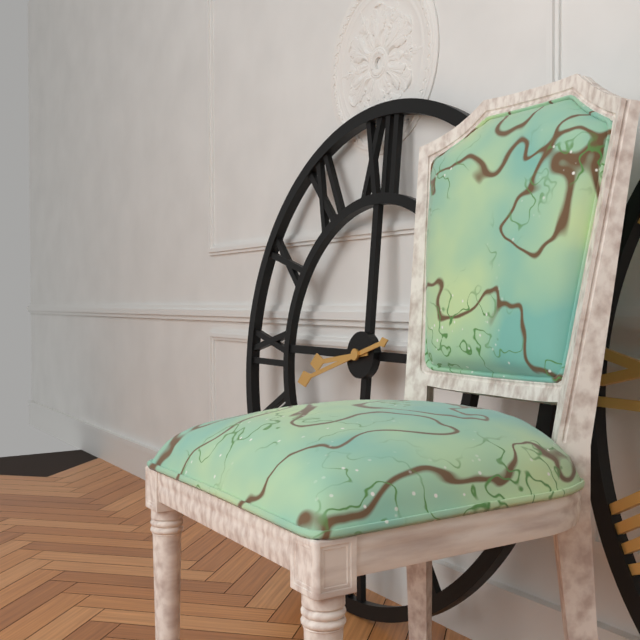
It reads 8,42
